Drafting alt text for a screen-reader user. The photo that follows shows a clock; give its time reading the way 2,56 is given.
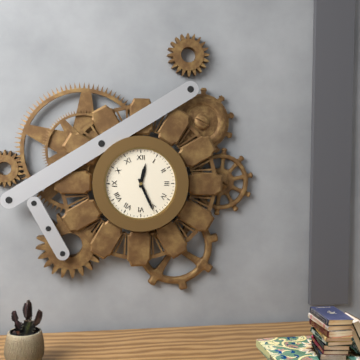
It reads 12,26
